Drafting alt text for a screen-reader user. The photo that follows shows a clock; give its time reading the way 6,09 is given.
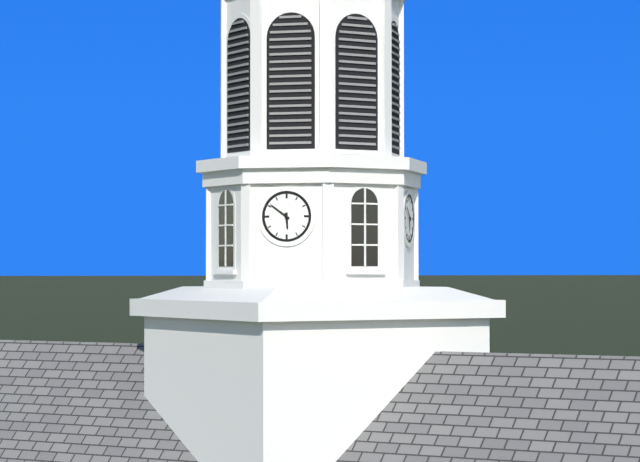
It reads 5,51
